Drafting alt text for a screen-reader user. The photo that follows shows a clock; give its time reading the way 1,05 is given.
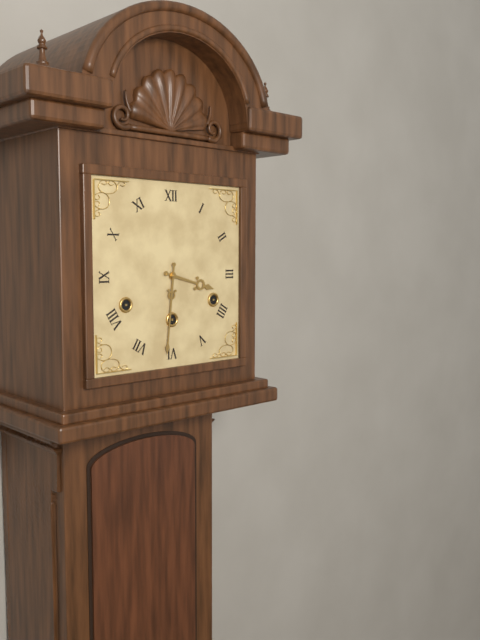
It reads 3,31
